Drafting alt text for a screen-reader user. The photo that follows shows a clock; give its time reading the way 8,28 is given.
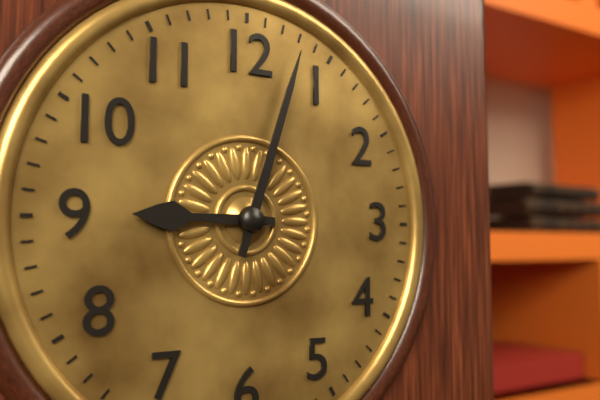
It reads 9,03
